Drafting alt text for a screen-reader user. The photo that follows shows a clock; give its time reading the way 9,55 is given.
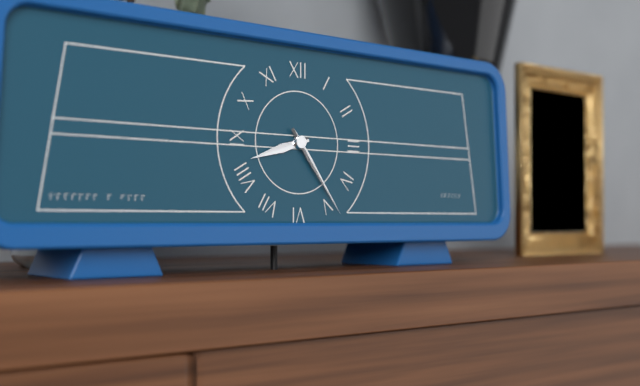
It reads 8,24
